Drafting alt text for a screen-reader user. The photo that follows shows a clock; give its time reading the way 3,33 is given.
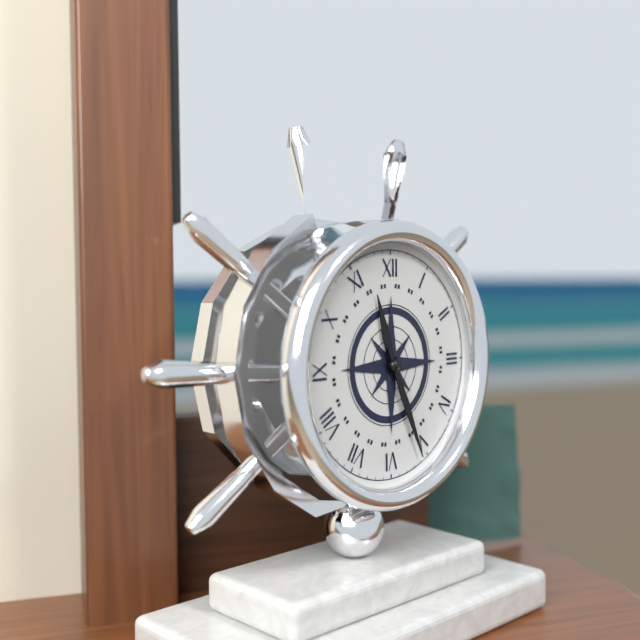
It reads 11,26
